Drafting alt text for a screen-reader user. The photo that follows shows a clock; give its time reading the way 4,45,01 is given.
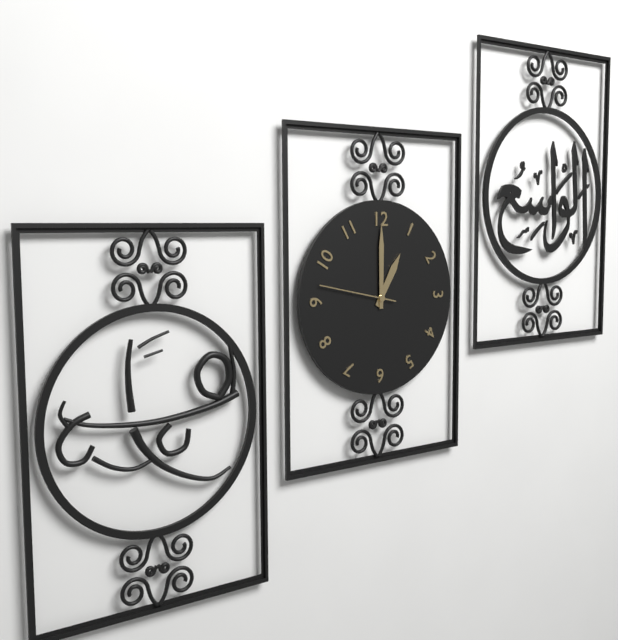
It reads 1,00,47
